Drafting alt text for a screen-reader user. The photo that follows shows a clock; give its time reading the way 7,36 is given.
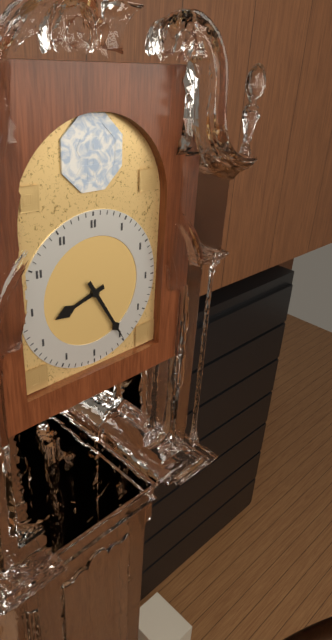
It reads 8,25
